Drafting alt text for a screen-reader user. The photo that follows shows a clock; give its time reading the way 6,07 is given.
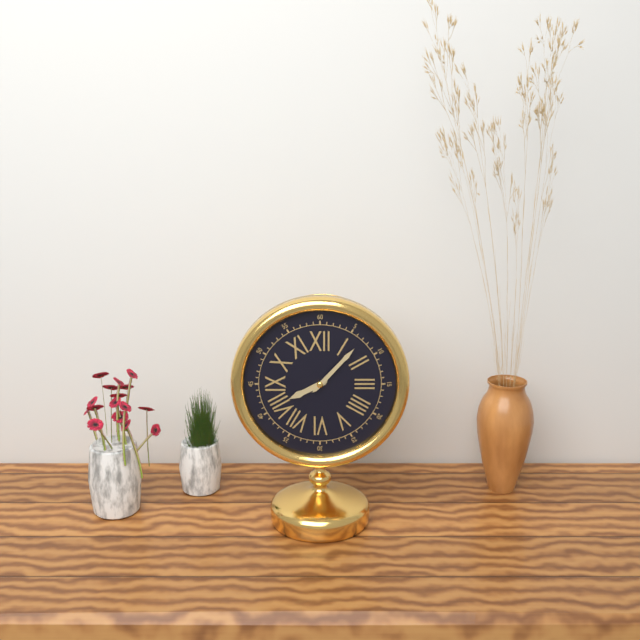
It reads 8,07
